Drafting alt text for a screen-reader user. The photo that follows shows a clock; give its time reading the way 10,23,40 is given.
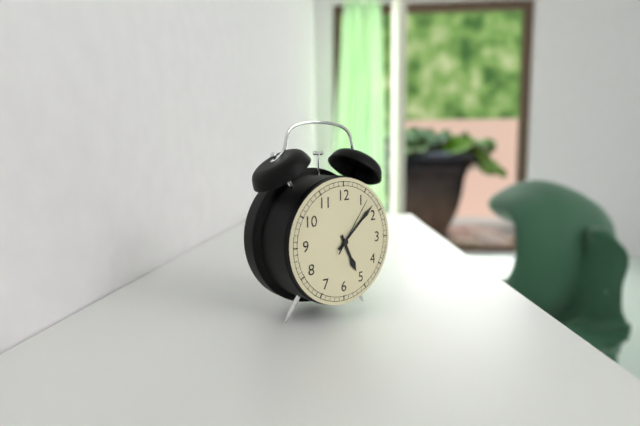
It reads 5,08,06
